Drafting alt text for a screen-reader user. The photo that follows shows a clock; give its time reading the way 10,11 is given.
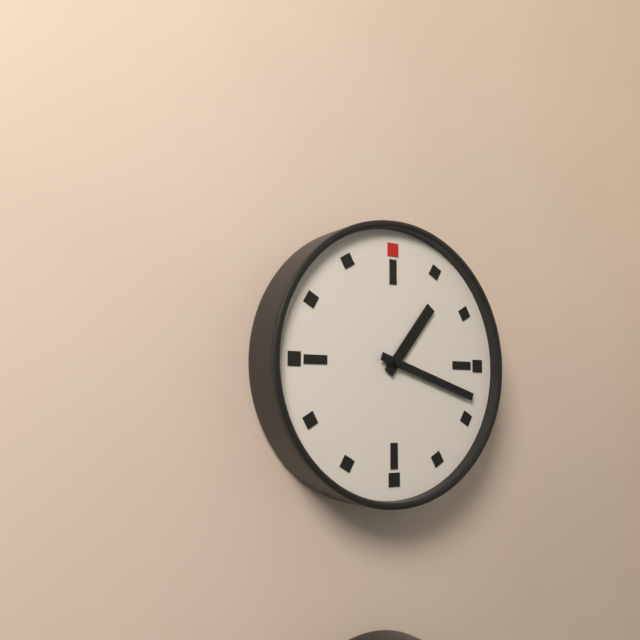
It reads 1,18
